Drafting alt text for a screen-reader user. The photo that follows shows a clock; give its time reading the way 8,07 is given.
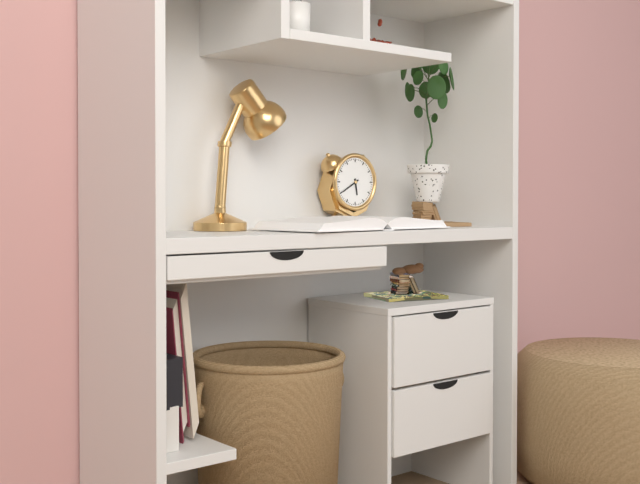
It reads 5,40
